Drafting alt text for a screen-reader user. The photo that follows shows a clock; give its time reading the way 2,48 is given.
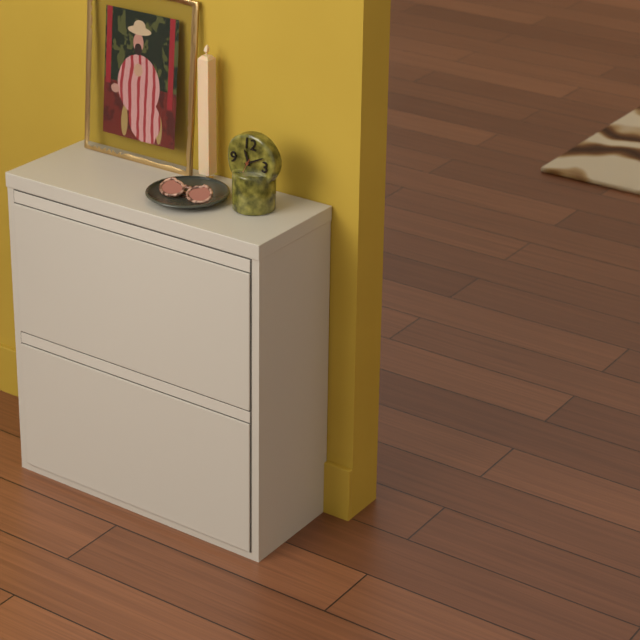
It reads 11,10
